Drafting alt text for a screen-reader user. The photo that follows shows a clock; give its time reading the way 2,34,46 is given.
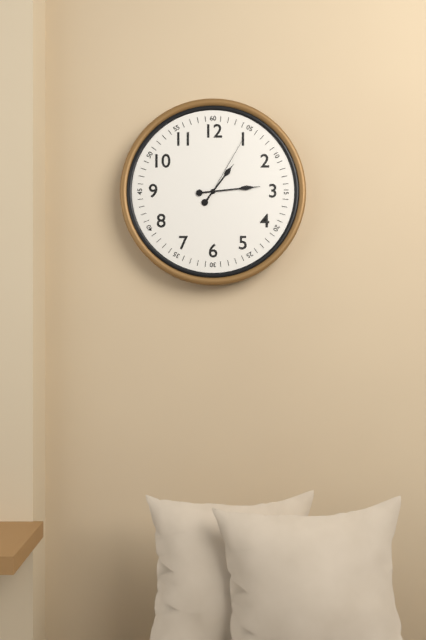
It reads 1,14,05
